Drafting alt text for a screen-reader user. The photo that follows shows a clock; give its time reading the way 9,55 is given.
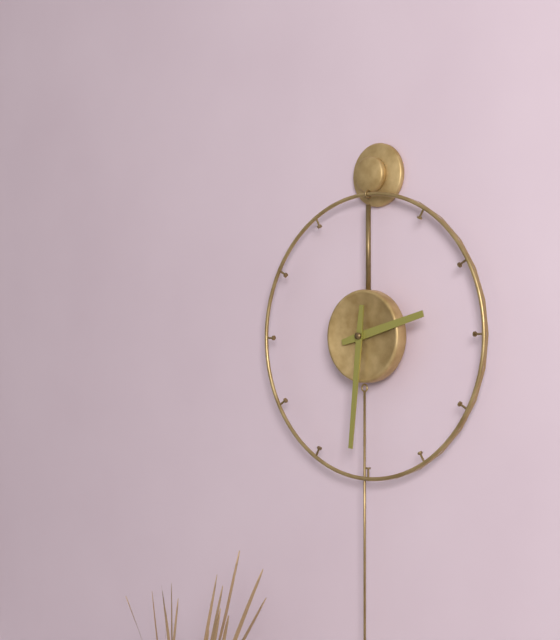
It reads 2,31
